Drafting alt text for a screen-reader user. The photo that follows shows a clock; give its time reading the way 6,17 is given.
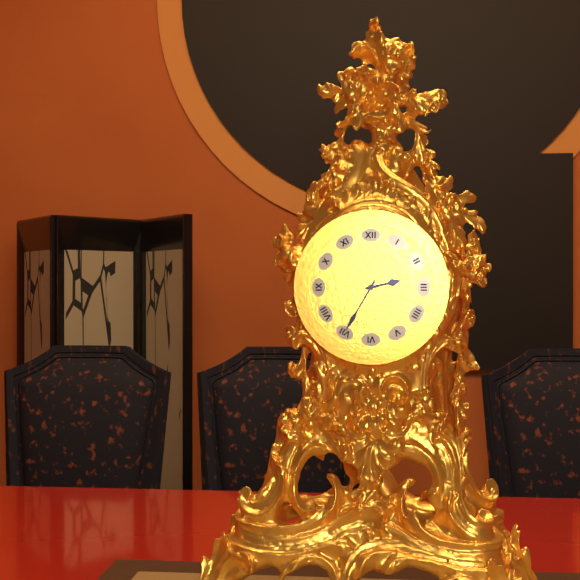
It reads 2,35
